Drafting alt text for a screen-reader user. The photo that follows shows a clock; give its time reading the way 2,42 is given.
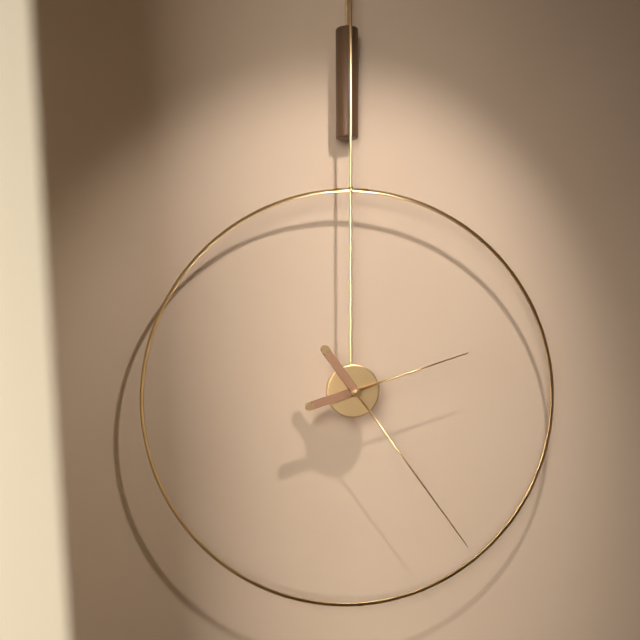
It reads 2,24
